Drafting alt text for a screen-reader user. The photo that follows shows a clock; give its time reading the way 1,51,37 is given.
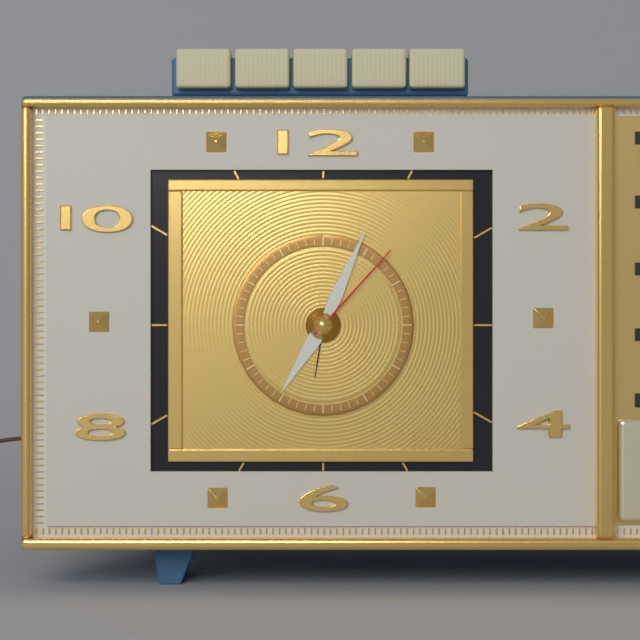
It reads 7,04,07
